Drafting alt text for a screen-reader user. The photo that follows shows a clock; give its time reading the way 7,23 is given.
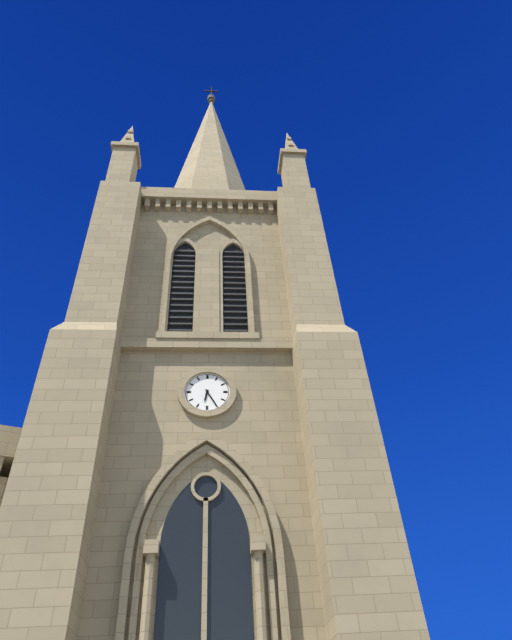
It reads 6,25
